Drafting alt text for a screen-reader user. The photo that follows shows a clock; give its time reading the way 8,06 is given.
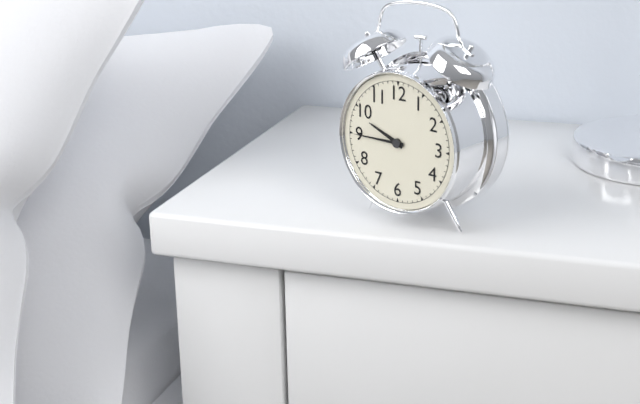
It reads 9,45
